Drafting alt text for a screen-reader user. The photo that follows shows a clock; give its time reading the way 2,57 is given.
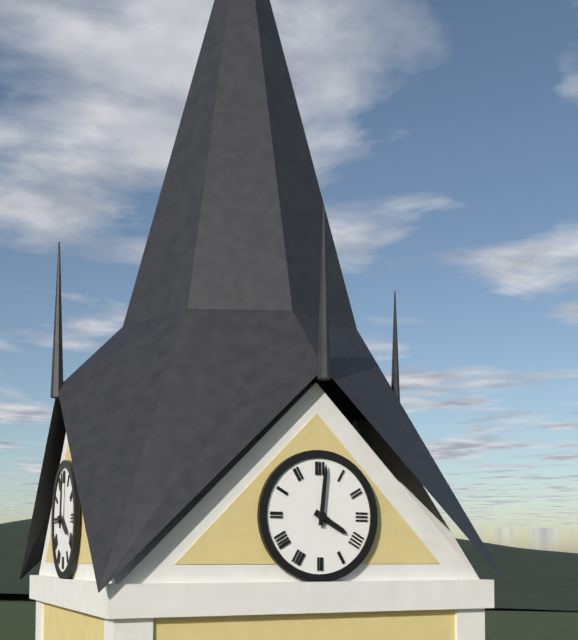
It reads 4,01
